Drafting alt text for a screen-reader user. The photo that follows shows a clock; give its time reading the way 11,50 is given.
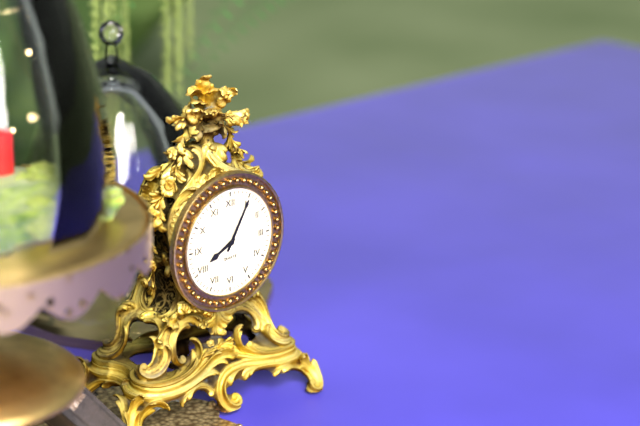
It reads 8,05
